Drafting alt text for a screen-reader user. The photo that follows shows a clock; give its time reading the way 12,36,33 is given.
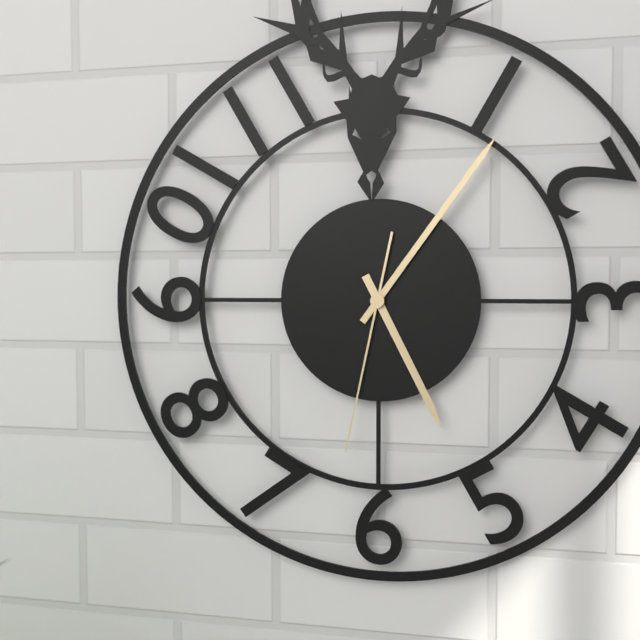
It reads 5,06,32
